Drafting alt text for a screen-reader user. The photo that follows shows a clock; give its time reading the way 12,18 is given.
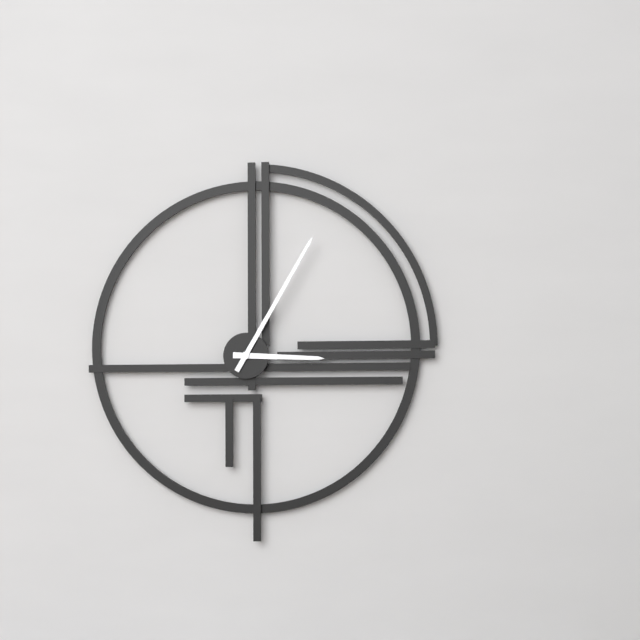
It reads 3,05
